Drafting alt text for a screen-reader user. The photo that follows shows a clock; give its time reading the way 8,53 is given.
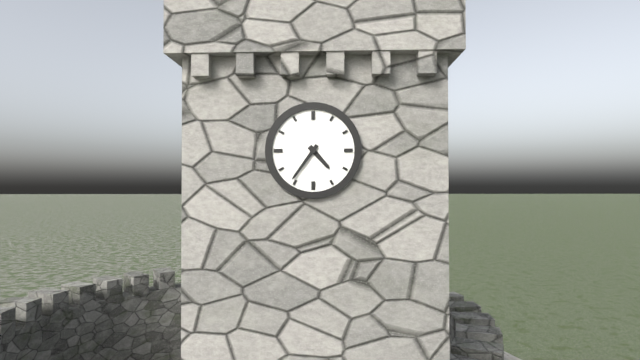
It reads 4,36
